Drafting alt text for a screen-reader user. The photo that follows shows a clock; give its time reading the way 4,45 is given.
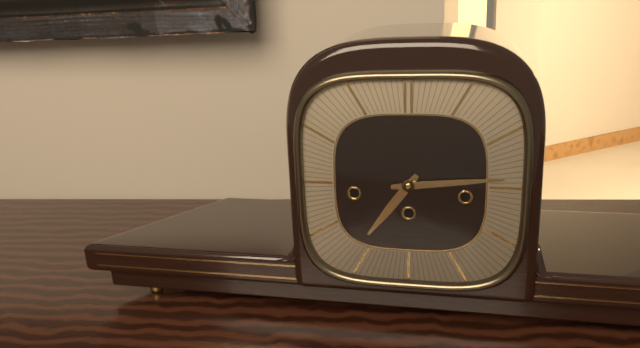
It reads 7,14
